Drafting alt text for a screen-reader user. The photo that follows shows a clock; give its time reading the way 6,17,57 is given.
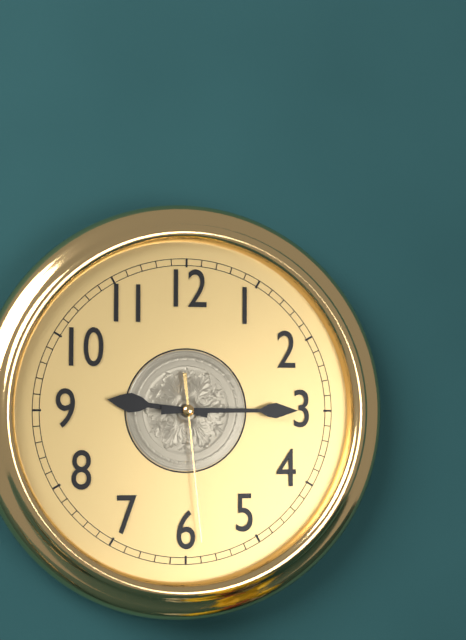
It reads 9,15,29
